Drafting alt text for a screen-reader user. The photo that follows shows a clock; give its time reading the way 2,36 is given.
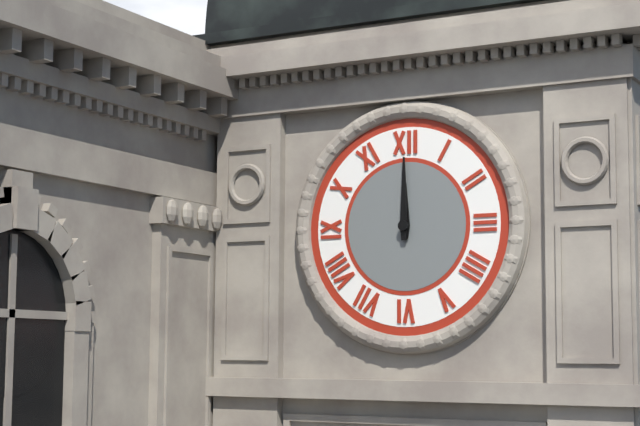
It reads 12,00
